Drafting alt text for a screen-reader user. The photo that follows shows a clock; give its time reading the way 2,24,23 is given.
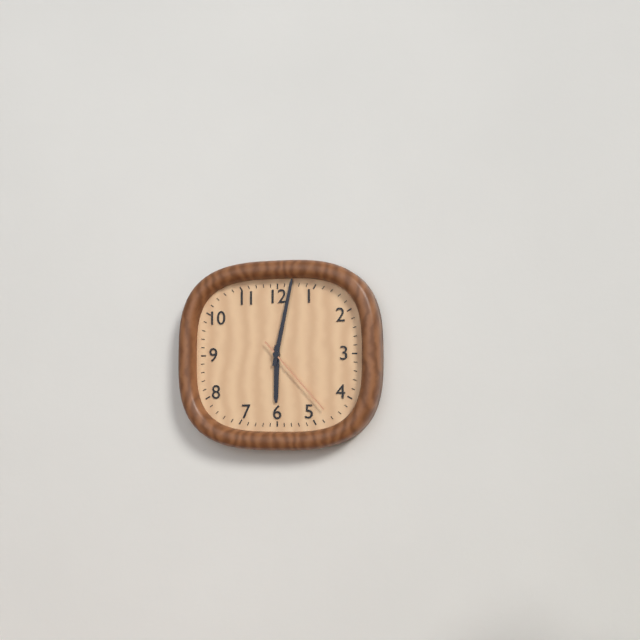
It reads 6,02,23
